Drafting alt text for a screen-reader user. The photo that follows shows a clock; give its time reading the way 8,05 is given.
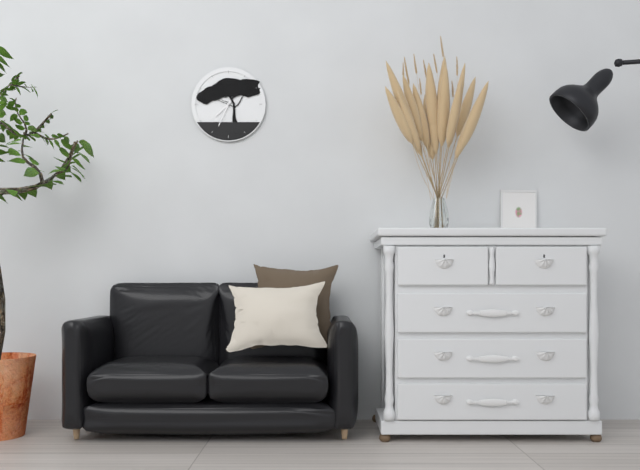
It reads 7,34
